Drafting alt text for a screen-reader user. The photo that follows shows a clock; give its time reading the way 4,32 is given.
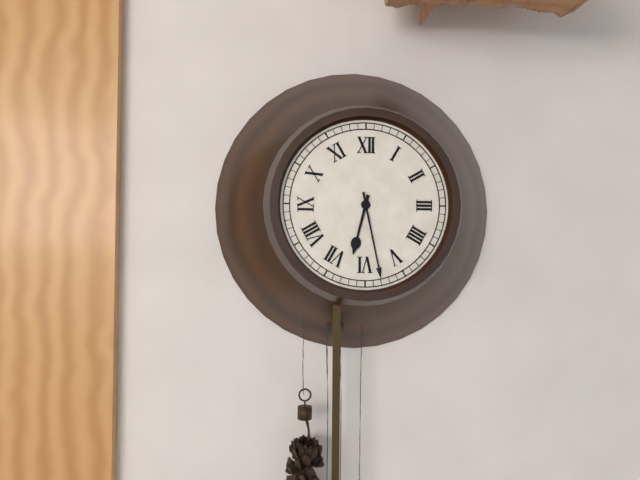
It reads 6,28
